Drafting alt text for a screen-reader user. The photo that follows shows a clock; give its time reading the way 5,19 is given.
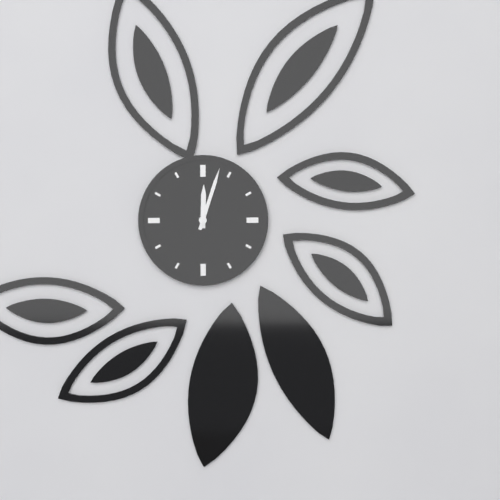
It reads 12,03
